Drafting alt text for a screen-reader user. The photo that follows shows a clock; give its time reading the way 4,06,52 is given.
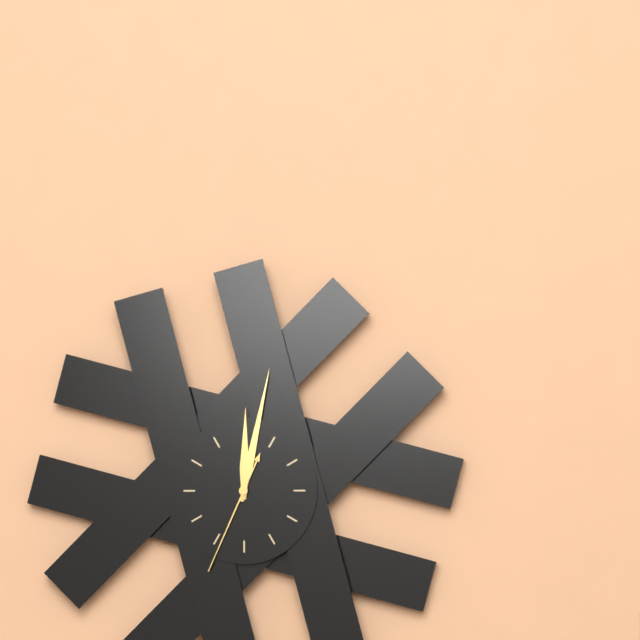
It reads 12,02,34
